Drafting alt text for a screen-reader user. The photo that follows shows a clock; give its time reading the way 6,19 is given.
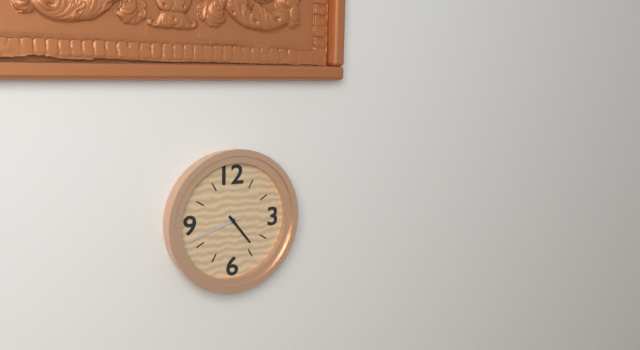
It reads 4,42
